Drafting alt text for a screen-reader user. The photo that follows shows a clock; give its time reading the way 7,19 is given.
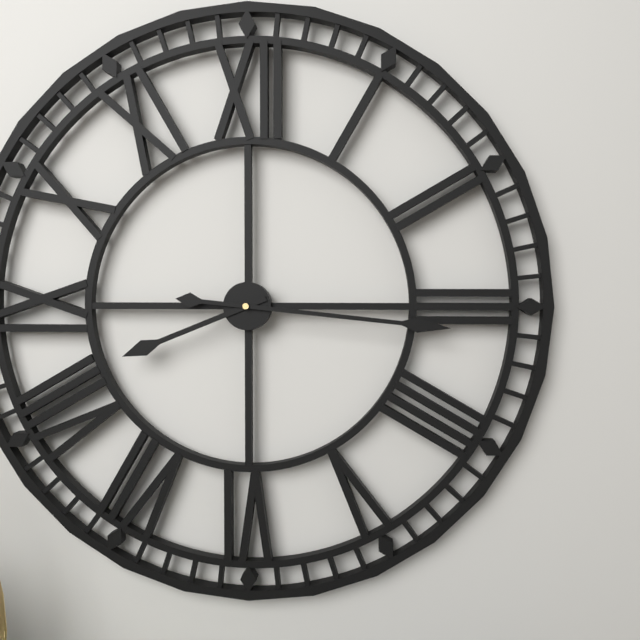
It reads 8,16
